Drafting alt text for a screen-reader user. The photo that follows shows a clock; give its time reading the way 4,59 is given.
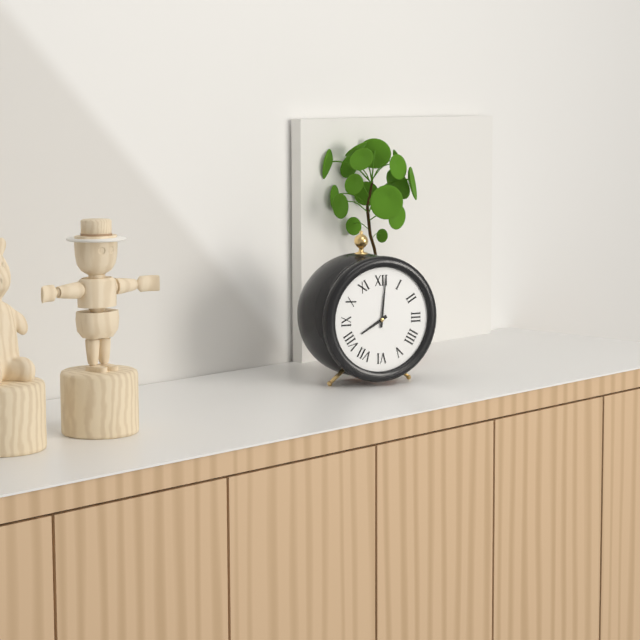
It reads 8,01
